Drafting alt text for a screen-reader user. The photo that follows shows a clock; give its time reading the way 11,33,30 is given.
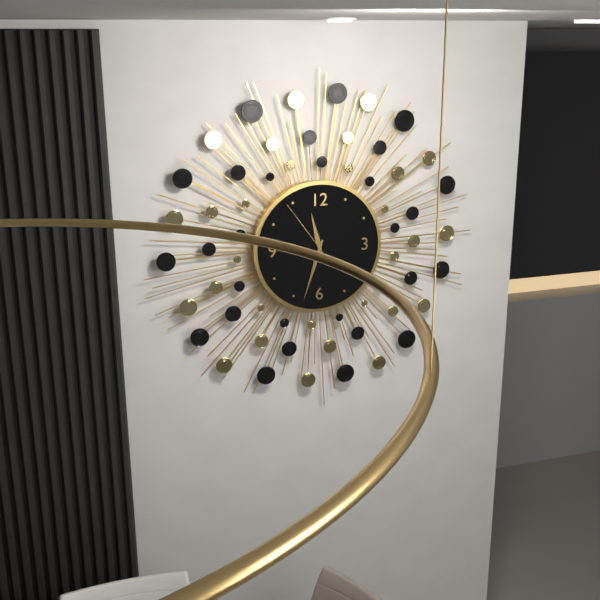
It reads 11,33,54
